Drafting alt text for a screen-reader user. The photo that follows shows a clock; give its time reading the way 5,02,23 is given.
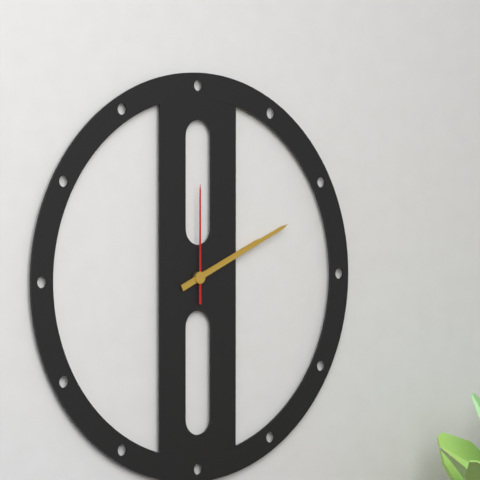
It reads 2,11,00
